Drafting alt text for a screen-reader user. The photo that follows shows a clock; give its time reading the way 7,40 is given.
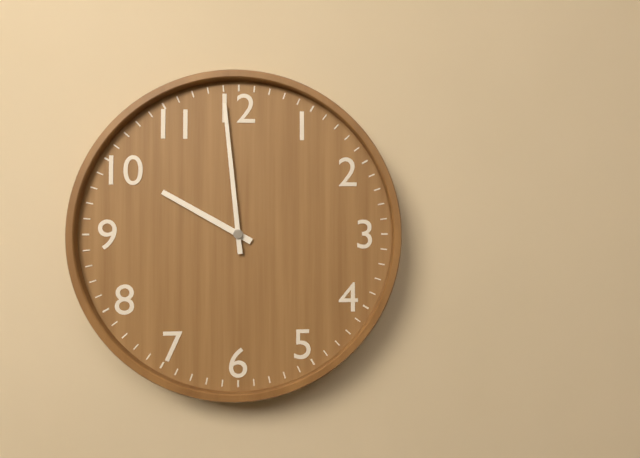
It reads 9,59
